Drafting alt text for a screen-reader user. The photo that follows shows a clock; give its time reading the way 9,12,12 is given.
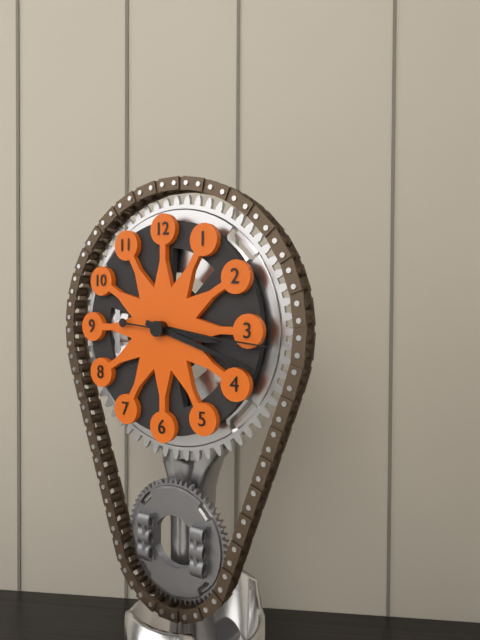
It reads 3,18,16
